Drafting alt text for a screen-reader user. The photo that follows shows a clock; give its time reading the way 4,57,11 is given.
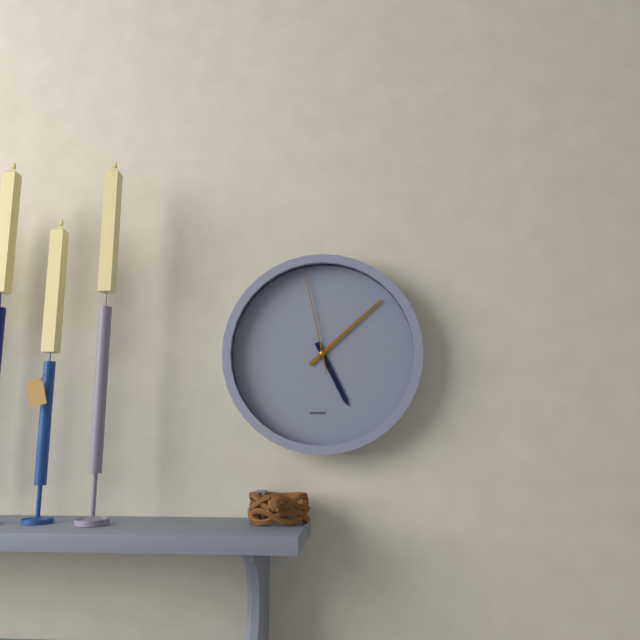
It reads 5,08,58
